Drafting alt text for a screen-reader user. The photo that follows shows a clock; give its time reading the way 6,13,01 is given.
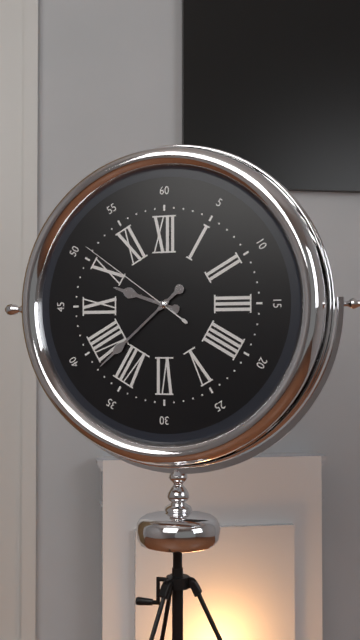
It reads 9,38,51
